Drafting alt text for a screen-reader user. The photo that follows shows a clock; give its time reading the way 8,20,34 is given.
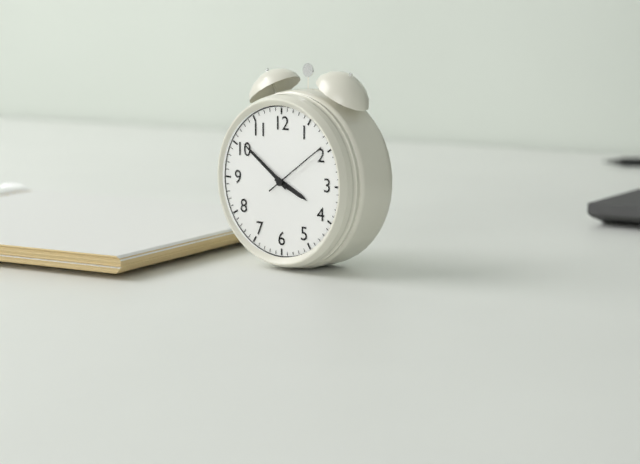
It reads 3,51,09
